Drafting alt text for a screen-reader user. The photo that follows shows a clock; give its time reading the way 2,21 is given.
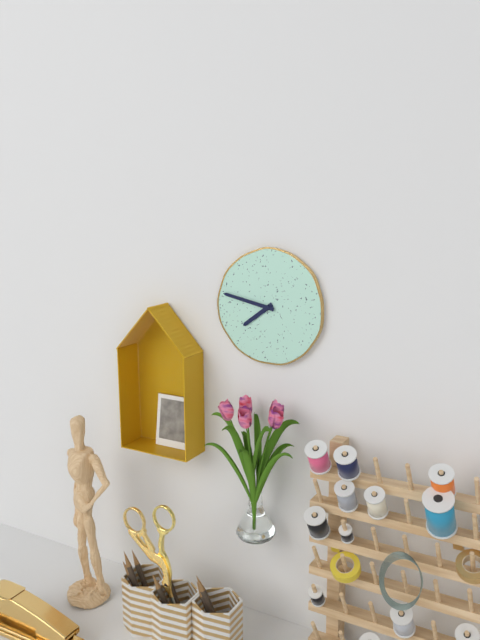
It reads 7,47
